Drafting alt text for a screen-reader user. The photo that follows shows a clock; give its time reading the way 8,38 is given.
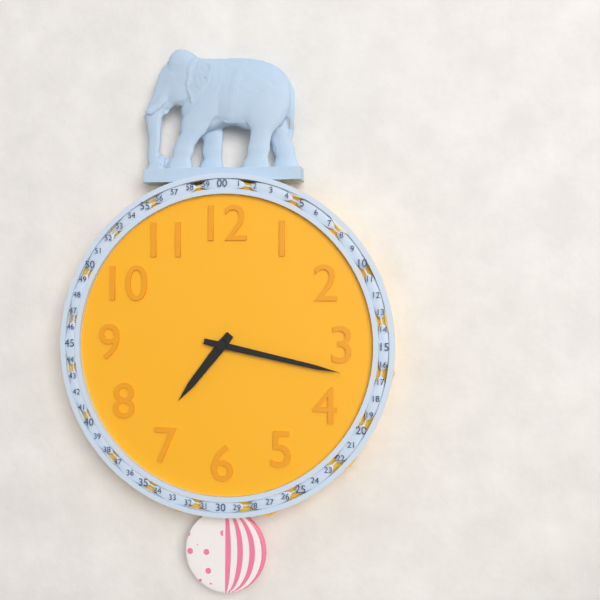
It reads 7,17
